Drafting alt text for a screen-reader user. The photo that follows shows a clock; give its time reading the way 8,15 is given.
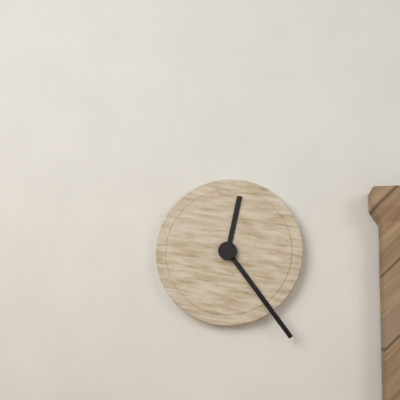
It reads 12,24
